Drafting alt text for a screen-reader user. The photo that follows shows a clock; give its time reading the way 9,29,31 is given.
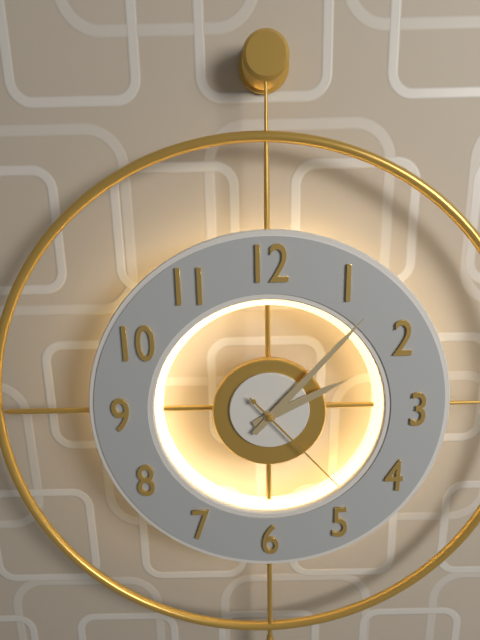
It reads 2,07,23
